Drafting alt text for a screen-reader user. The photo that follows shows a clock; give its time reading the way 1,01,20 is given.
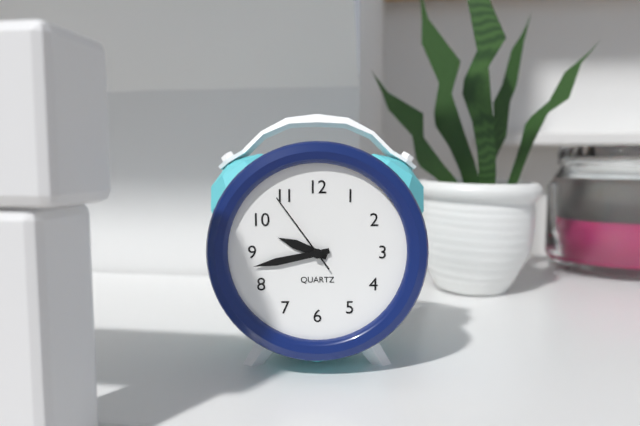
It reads 9,43,54
